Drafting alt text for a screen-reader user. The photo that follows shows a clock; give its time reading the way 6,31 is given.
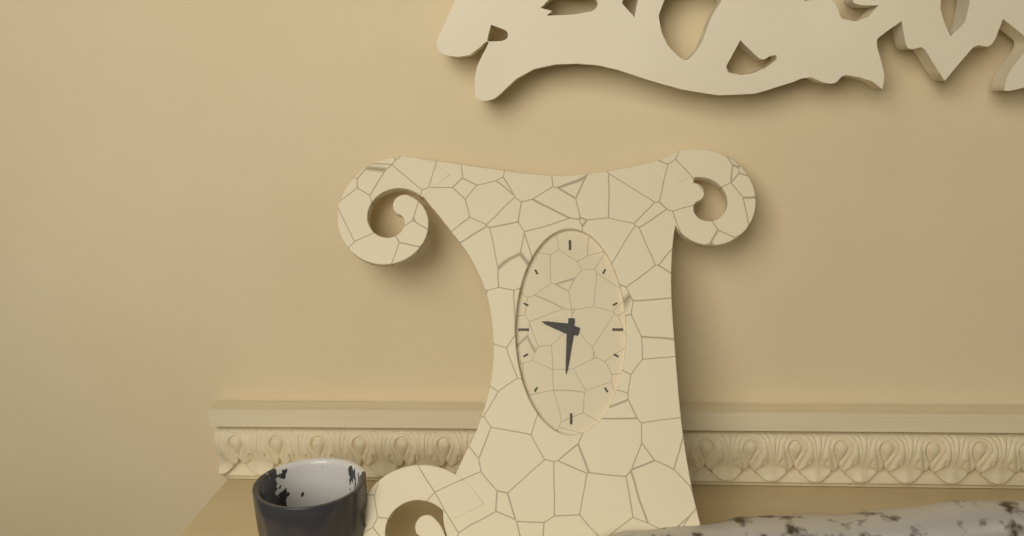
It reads 9,31
